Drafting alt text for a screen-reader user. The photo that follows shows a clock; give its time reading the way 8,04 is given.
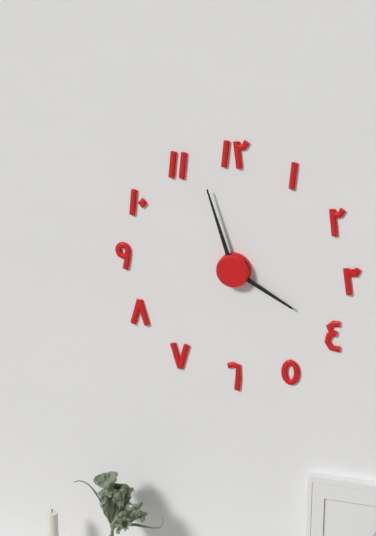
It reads 3,57
